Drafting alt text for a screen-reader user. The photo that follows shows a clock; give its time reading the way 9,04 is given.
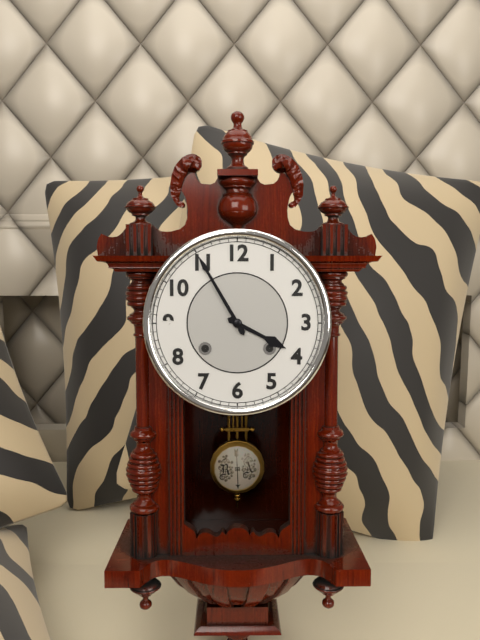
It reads 3,55
